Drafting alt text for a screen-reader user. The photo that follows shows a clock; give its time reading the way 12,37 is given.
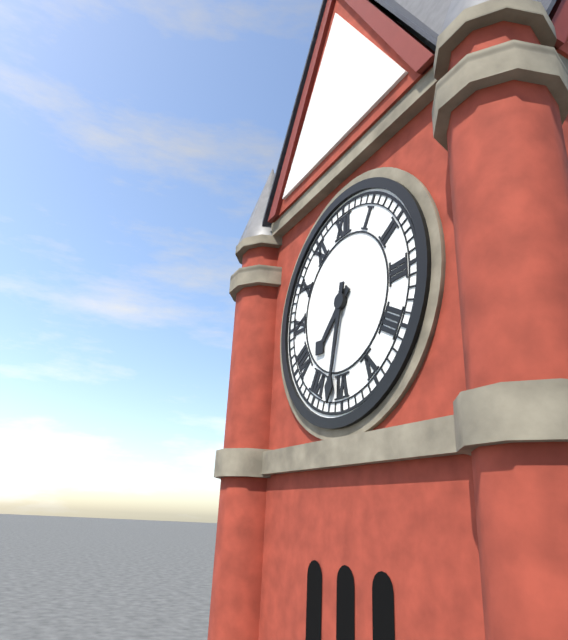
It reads 7,32
